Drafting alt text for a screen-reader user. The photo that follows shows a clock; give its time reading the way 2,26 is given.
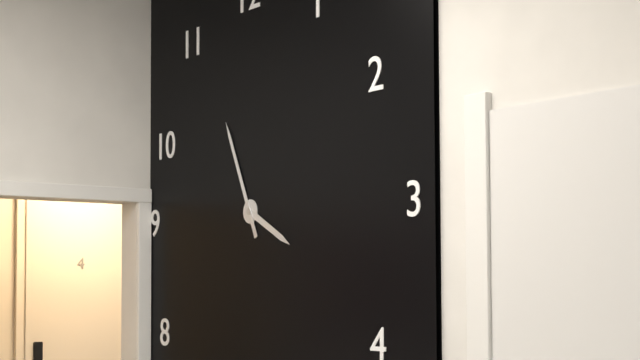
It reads 3,56
